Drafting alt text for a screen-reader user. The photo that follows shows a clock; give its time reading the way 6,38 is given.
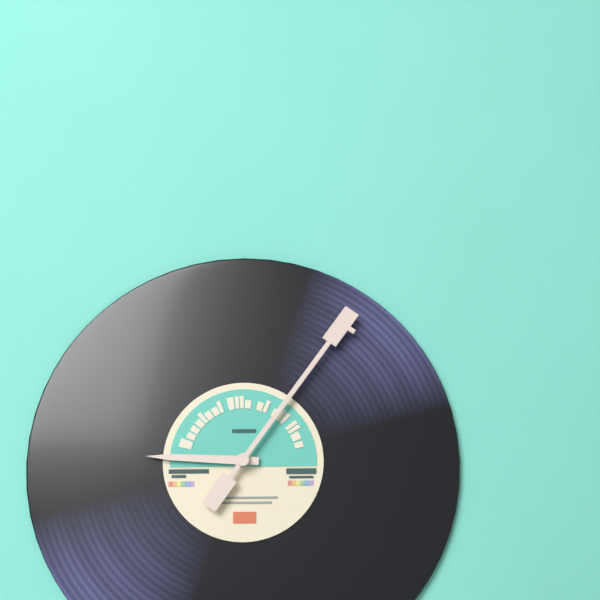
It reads 9,06
